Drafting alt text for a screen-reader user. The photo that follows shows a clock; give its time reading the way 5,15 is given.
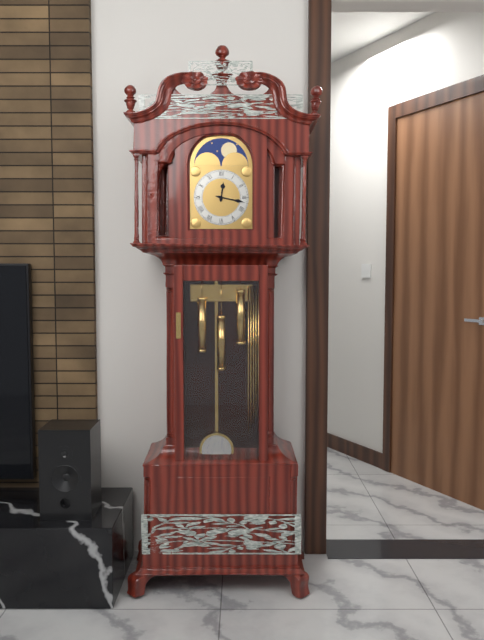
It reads 12,17
